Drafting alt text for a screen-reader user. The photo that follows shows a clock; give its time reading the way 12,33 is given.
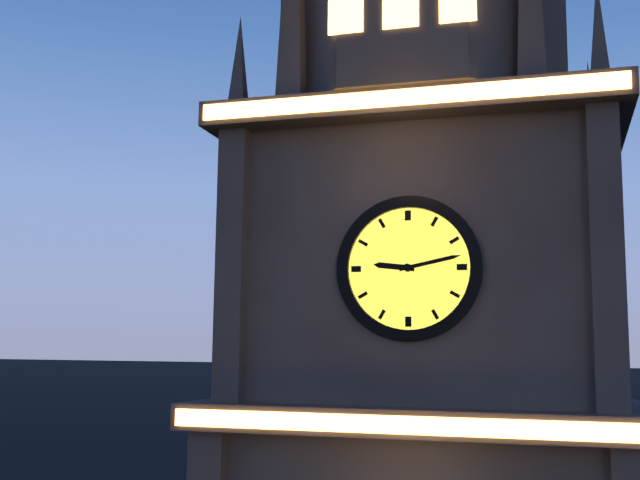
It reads 9,13
